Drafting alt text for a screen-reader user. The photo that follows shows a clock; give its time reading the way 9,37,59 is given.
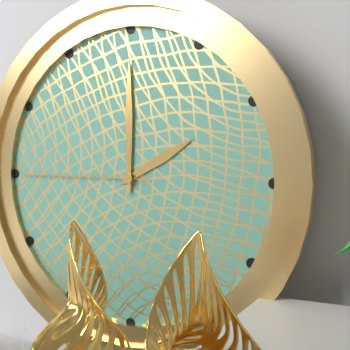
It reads 2,00,45
